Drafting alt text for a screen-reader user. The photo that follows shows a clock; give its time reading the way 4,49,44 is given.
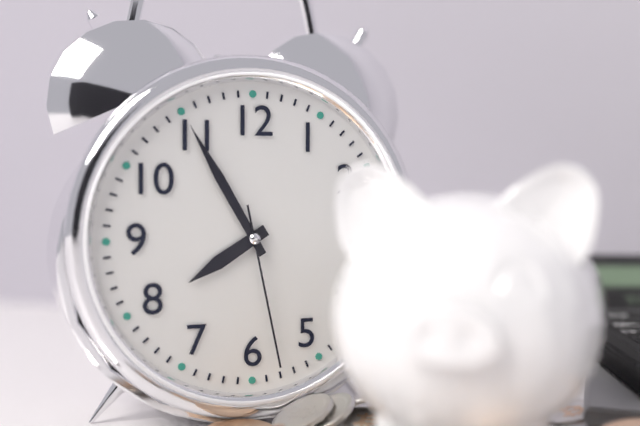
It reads 7,55,28
